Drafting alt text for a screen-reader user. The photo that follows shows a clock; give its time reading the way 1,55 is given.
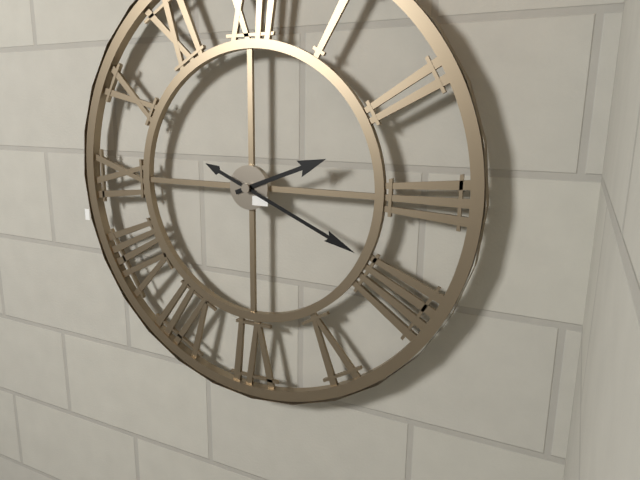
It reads 2,19
